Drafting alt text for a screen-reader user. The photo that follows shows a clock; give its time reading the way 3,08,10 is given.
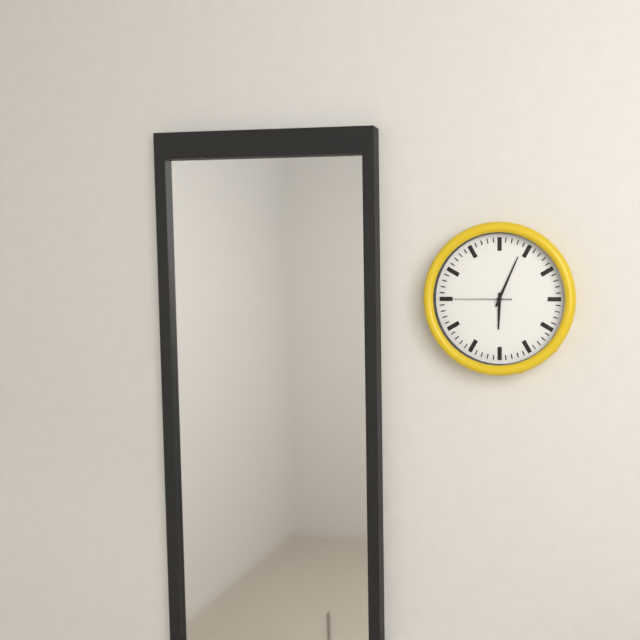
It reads 6,04,45
